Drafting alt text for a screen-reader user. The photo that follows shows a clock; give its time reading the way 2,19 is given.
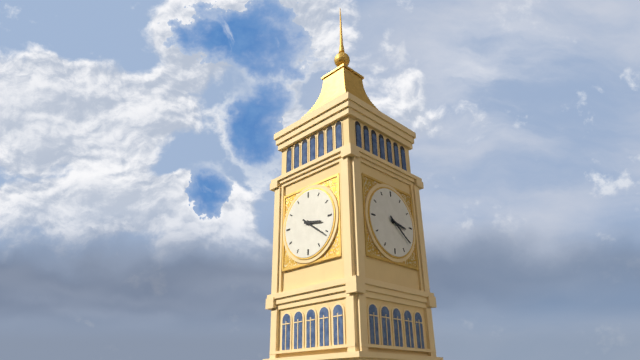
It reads 3,21
